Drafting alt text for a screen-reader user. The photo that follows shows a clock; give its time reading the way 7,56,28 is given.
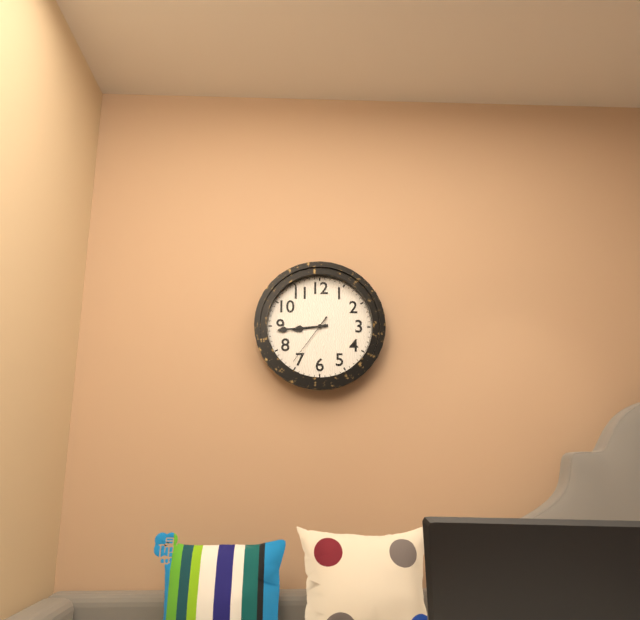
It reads 8,44,36
